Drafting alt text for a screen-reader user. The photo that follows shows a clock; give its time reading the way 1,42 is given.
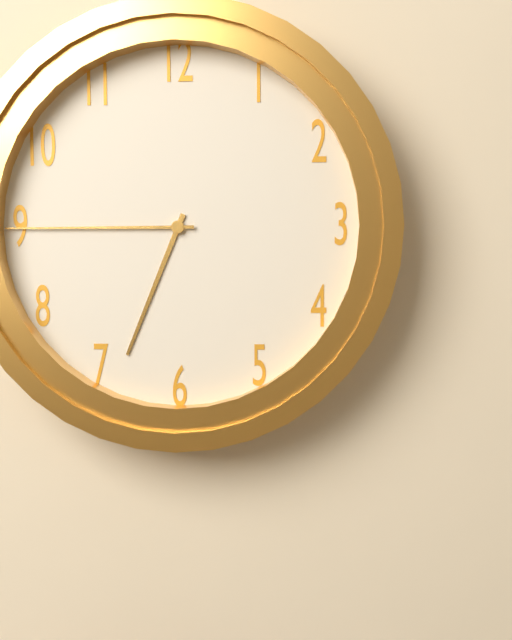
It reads 6,45
